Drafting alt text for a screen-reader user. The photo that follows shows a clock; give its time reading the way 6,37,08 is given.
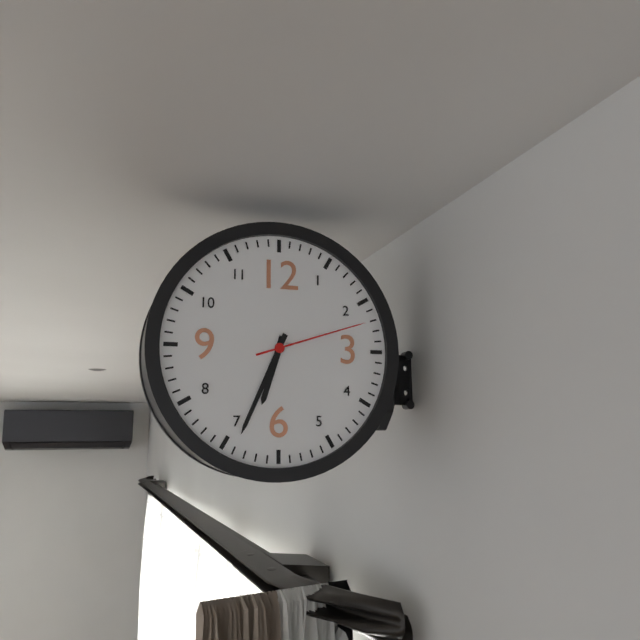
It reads 6,34,12
